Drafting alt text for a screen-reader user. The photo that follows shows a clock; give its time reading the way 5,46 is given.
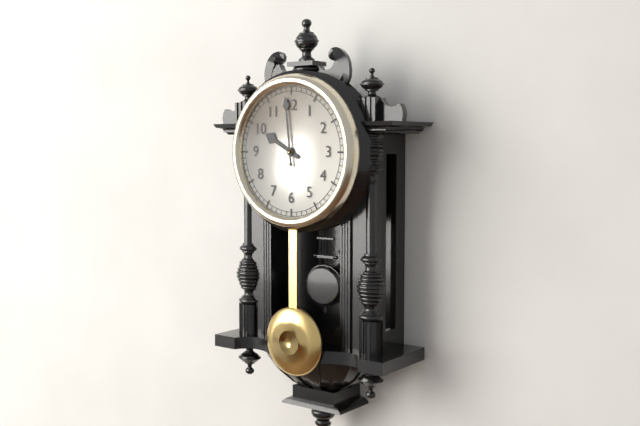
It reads 9,59
